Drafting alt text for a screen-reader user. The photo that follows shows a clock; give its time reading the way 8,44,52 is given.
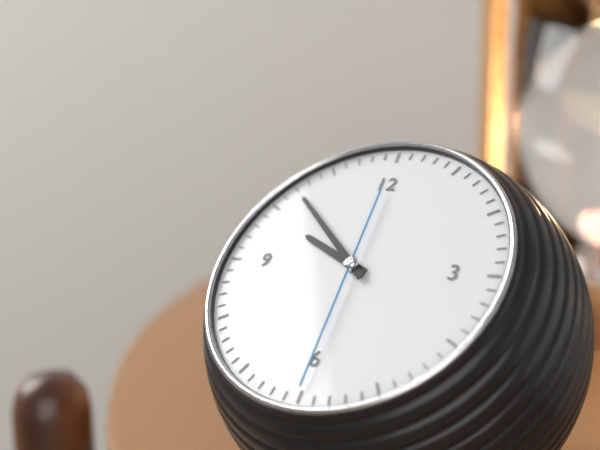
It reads 9,52,30
